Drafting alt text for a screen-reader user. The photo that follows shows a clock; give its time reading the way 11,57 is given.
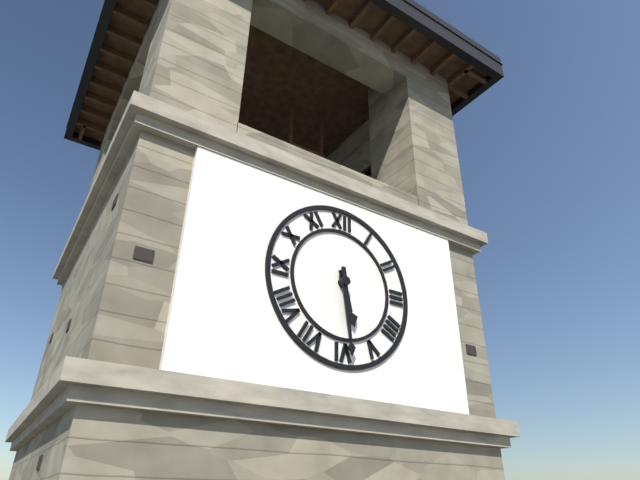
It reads 5,29
